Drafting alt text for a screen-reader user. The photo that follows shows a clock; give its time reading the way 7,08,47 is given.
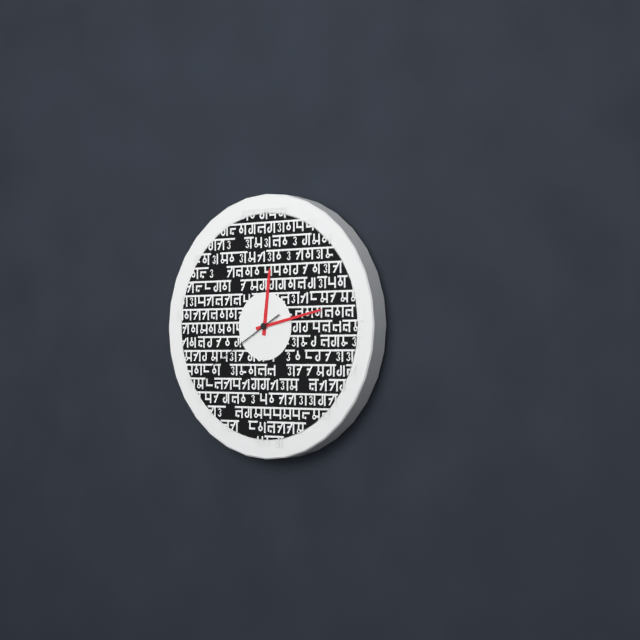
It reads 12,13,40
